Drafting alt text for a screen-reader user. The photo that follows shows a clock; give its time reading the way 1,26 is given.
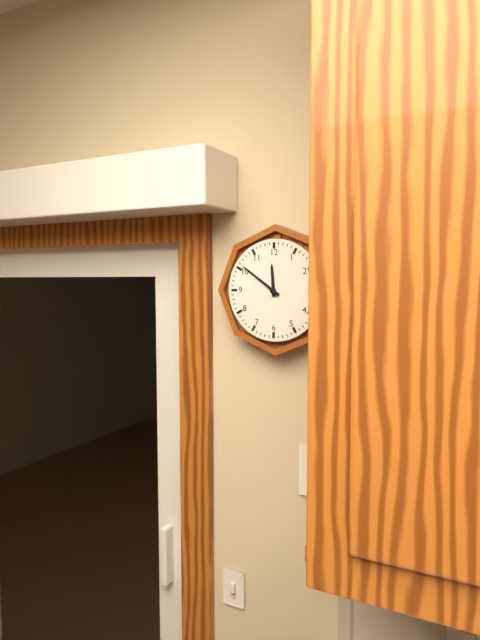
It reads 11,51
